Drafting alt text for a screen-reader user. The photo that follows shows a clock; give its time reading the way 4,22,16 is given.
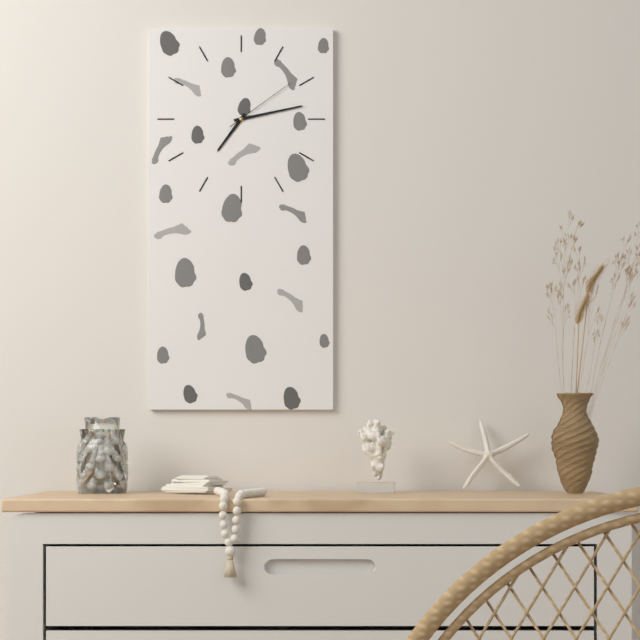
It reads 7,13,09
